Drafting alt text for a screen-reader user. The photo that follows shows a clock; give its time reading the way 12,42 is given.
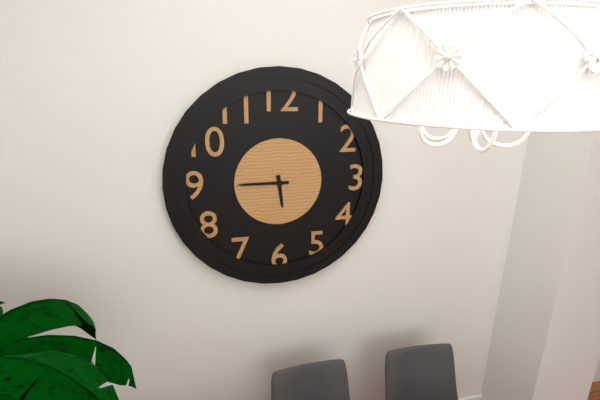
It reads 5,45
